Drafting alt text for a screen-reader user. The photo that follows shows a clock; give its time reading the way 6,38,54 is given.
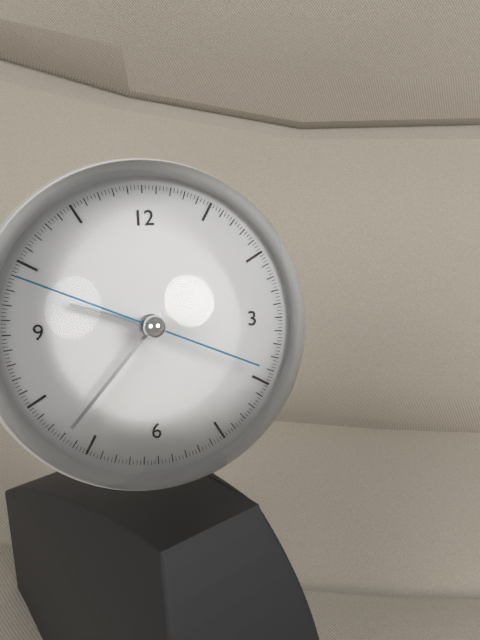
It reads 9,37,49
